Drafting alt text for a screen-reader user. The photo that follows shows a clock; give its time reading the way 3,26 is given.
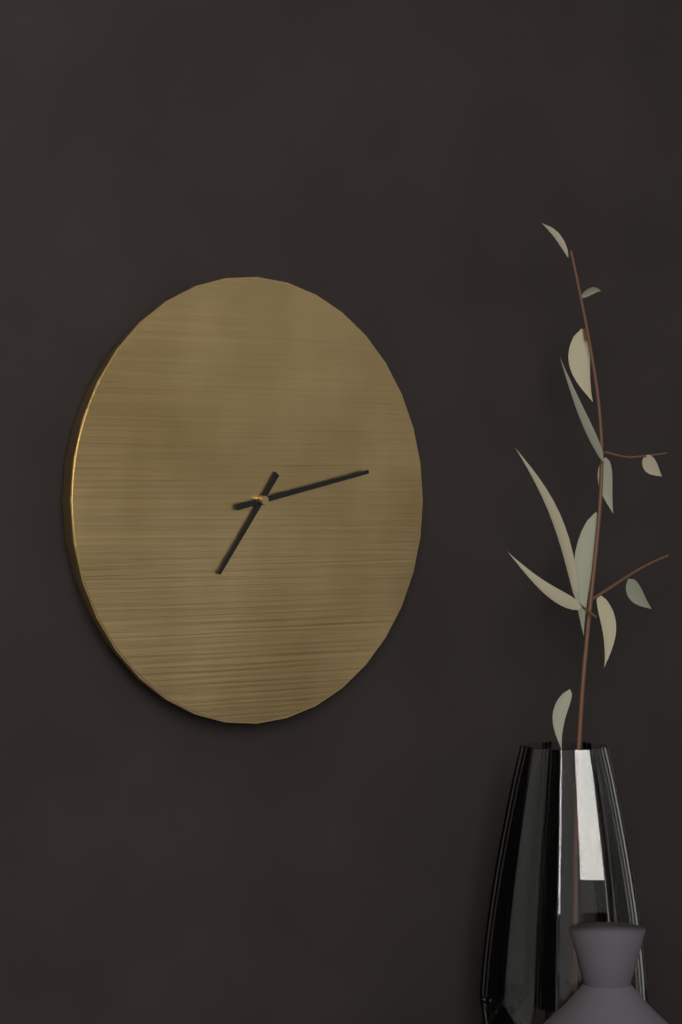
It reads 7,13
